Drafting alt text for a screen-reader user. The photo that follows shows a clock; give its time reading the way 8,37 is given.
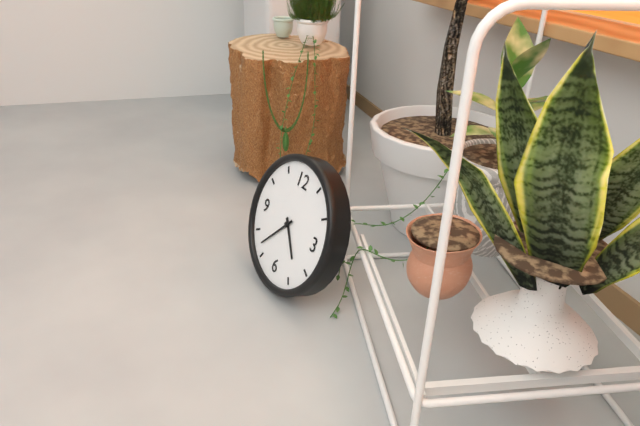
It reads 4,37
